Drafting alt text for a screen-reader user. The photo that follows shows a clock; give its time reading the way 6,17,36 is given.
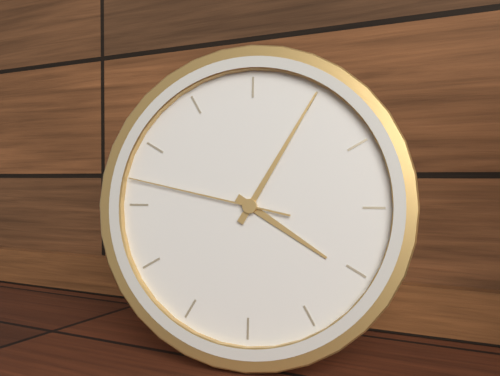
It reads 4,05,47
